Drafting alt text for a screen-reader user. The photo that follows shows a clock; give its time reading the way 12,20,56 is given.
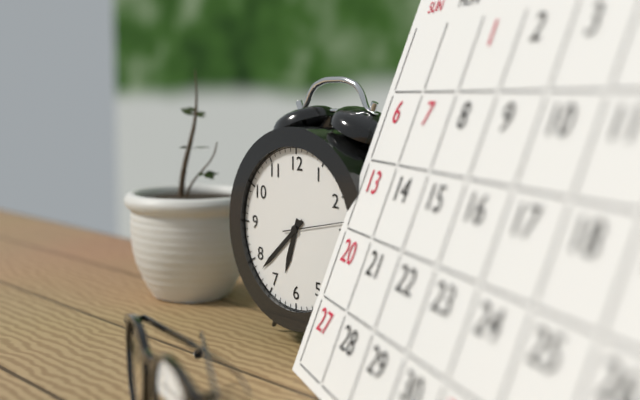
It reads 6,38,13
